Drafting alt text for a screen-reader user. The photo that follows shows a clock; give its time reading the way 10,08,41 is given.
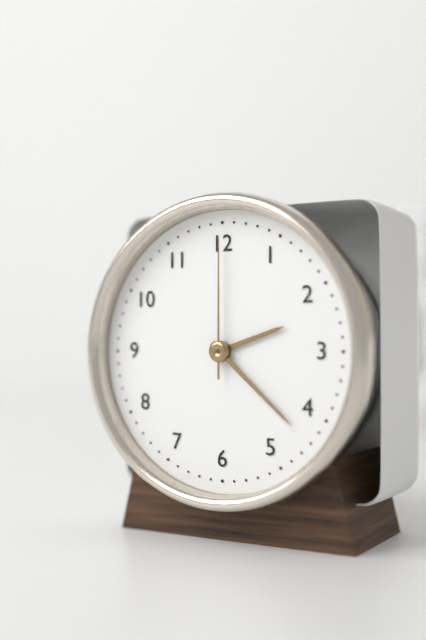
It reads 2,22,00
